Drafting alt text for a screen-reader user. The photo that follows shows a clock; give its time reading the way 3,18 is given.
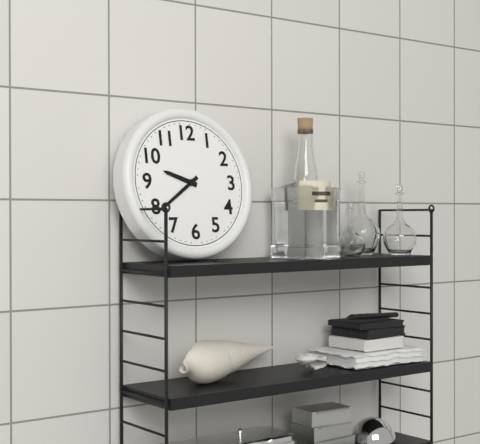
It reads 9,39
